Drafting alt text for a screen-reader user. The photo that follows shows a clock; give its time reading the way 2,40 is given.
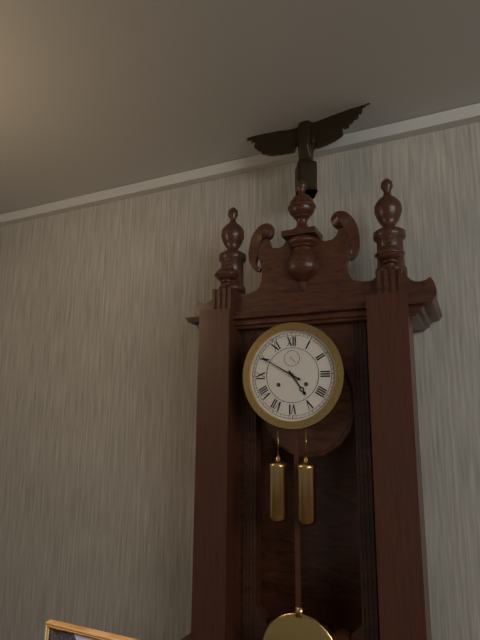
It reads 4,50
